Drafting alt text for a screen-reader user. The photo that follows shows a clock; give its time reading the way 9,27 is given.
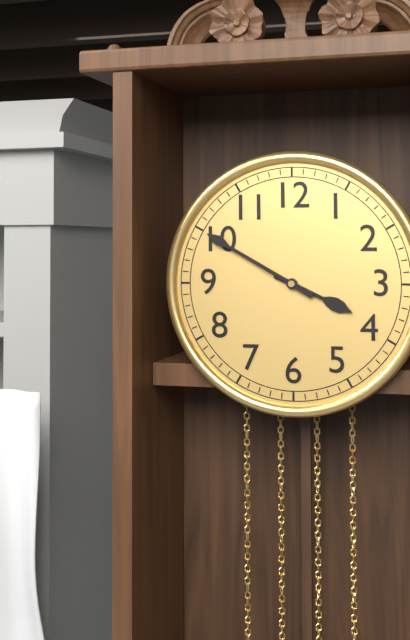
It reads 3,50
